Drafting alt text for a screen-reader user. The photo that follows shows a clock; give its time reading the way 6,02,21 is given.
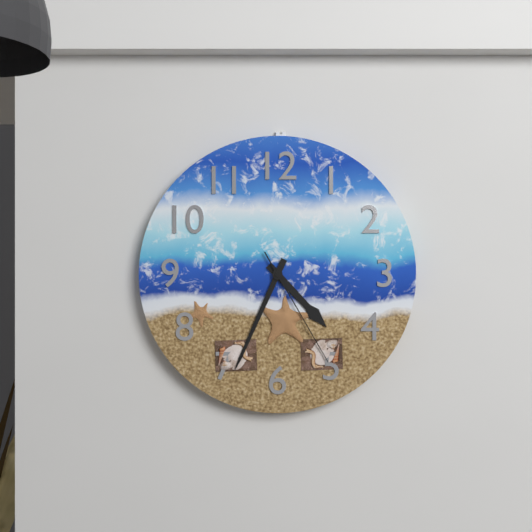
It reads 4,34,25
